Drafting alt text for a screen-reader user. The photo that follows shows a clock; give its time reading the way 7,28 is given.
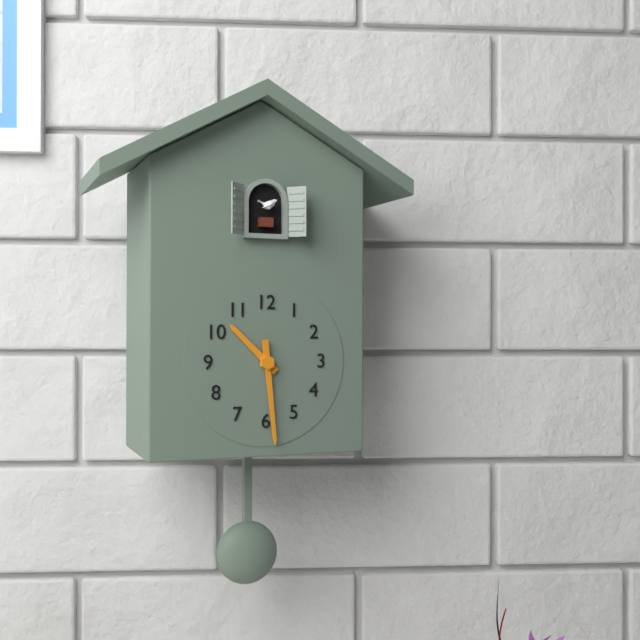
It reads 10,29
